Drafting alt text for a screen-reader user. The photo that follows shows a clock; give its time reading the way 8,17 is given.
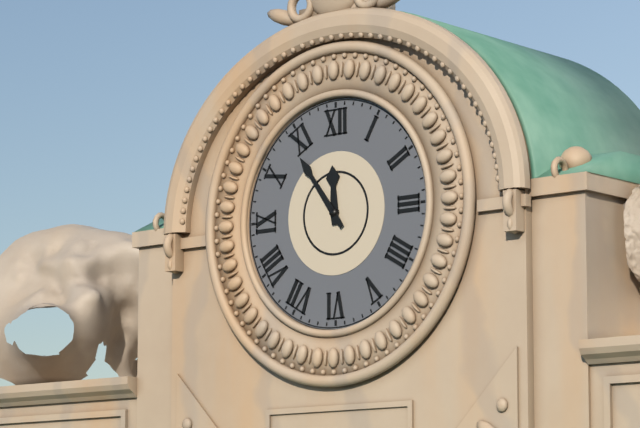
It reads 11,54
